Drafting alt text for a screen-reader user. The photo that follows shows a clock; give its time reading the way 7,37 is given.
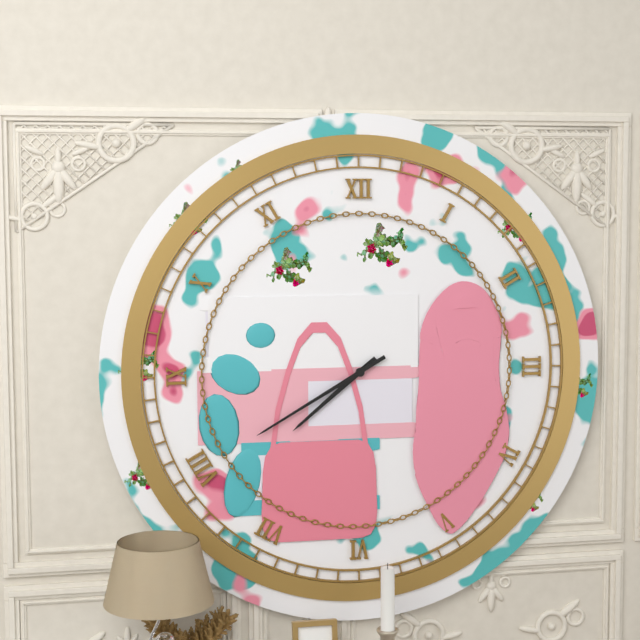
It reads 7,40
